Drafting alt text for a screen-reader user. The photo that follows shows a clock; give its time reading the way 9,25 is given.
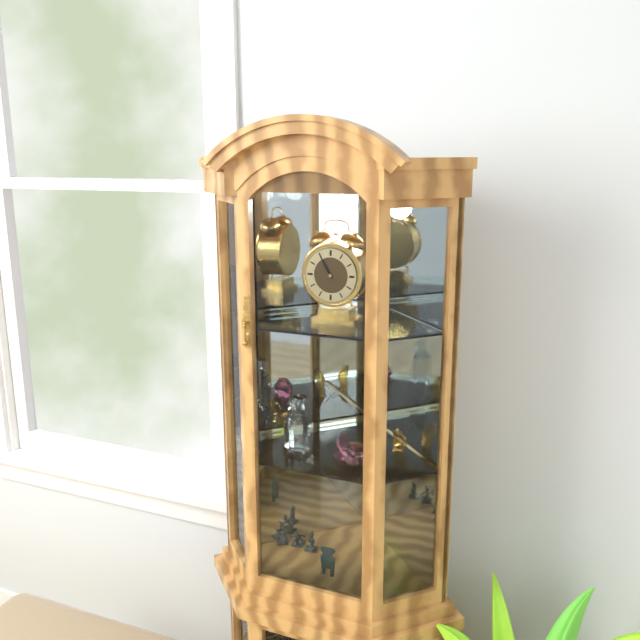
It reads 10,55
